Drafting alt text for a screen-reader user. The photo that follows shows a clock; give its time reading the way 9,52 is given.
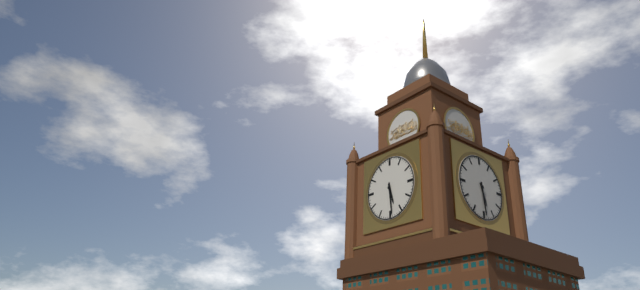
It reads 5,29
